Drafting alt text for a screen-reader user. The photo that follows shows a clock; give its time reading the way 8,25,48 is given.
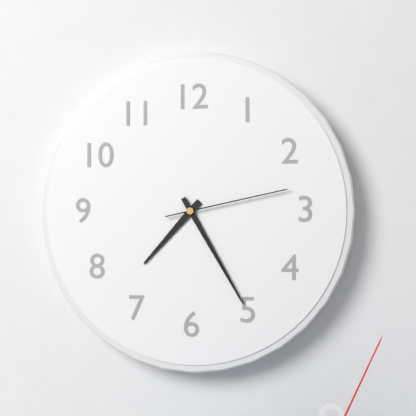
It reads 7,25,13
